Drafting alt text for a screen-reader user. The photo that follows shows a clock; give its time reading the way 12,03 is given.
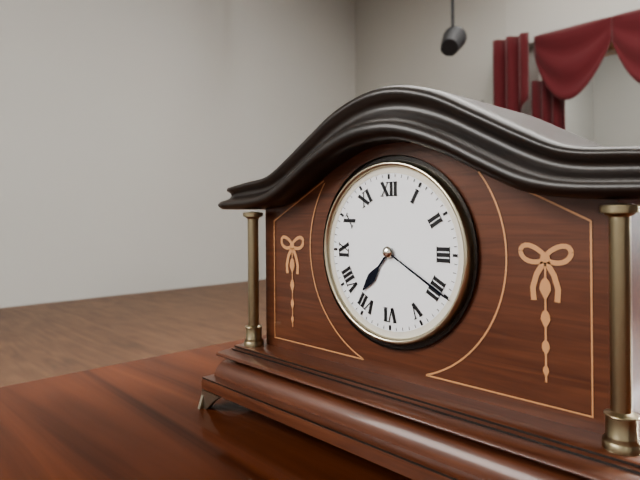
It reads 7,20
